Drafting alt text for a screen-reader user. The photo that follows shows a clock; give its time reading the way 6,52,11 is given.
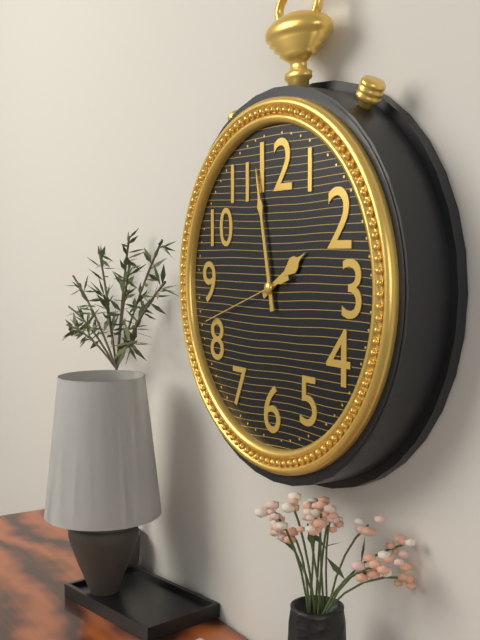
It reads 1,58,42
